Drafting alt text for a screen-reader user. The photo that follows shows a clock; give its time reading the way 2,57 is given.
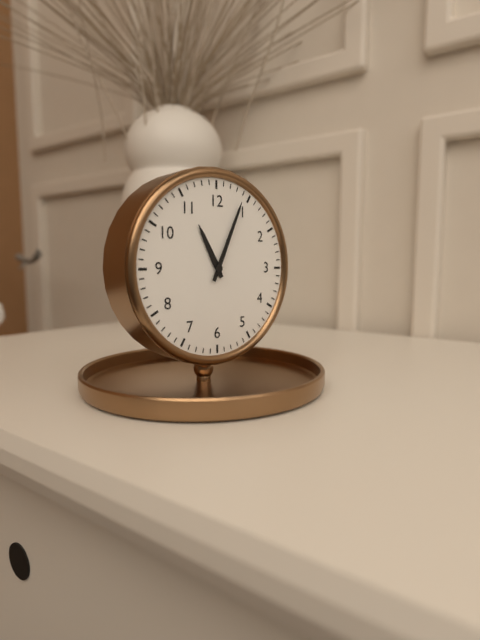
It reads 11,04
